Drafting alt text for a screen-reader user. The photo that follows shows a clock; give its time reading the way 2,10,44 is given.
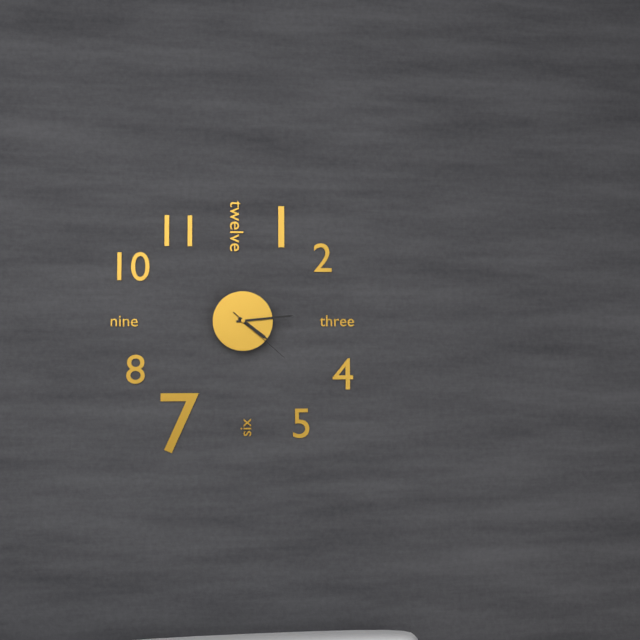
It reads 4,14,22
